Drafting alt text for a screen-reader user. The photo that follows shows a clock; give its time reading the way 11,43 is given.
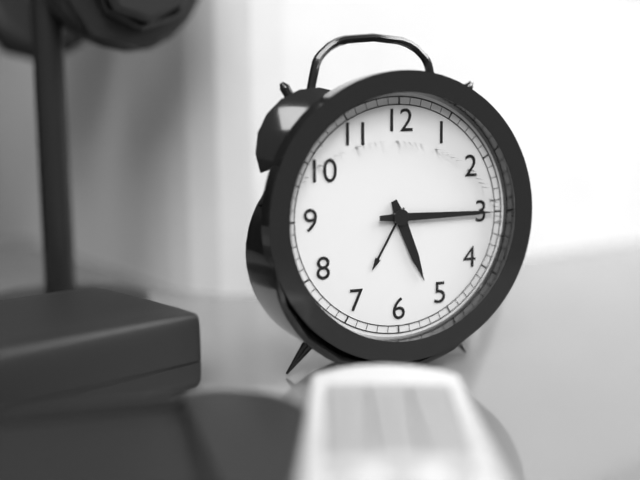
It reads 5,15
